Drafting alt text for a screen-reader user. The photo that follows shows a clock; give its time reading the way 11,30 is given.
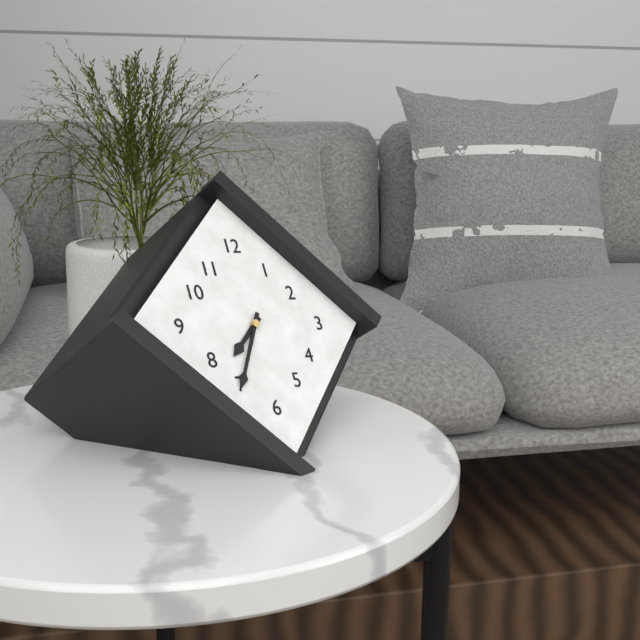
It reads 7,35
